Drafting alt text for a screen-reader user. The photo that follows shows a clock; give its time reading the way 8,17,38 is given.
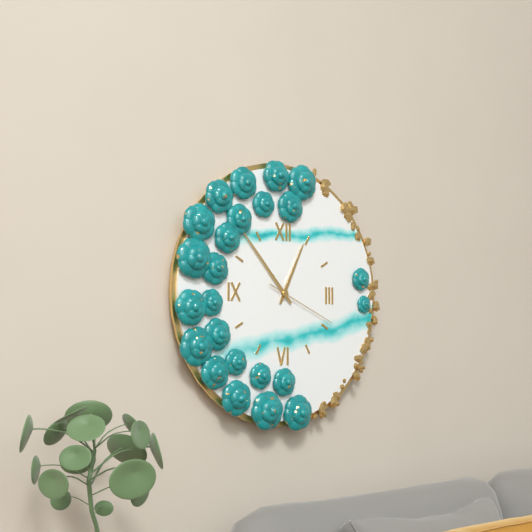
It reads 12,53,19
